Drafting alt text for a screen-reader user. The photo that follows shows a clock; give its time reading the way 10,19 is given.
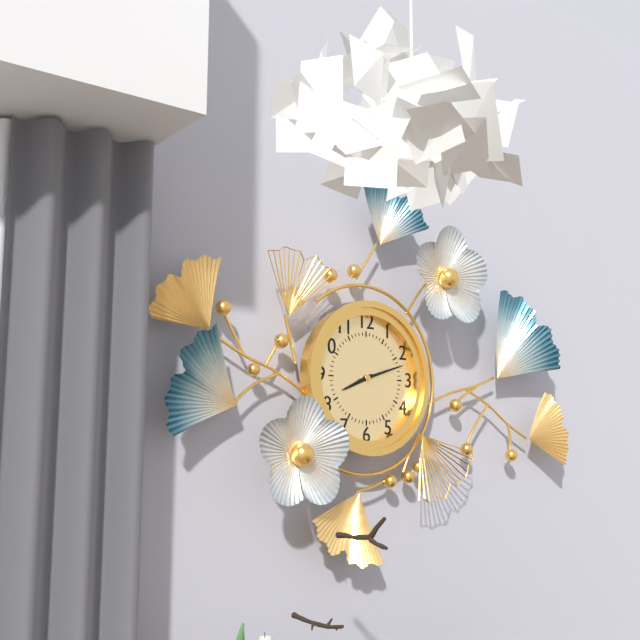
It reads 8,12
